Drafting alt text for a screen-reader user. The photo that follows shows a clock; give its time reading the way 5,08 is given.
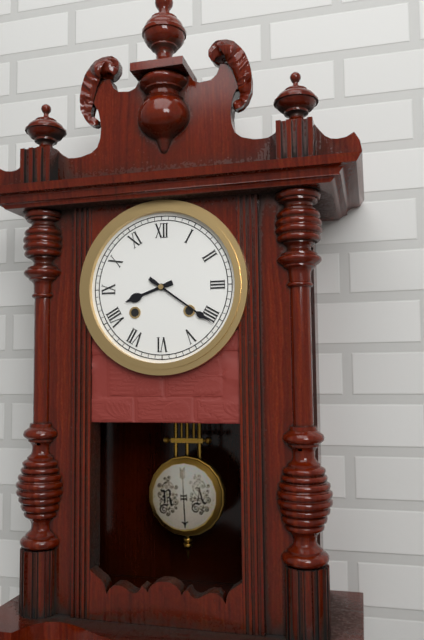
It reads 8,21
